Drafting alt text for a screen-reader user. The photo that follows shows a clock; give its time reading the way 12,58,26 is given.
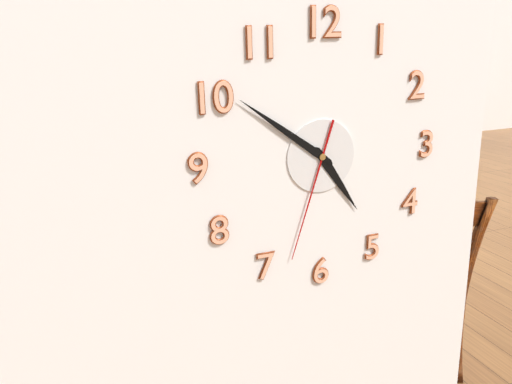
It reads 4,51,33
